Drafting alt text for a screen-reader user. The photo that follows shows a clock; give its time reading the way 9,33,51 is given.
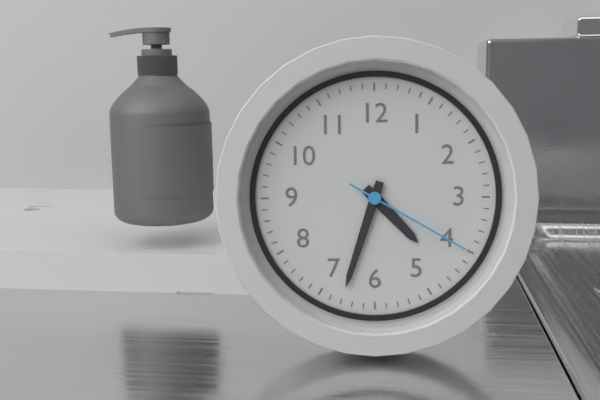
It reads 4,33,20
